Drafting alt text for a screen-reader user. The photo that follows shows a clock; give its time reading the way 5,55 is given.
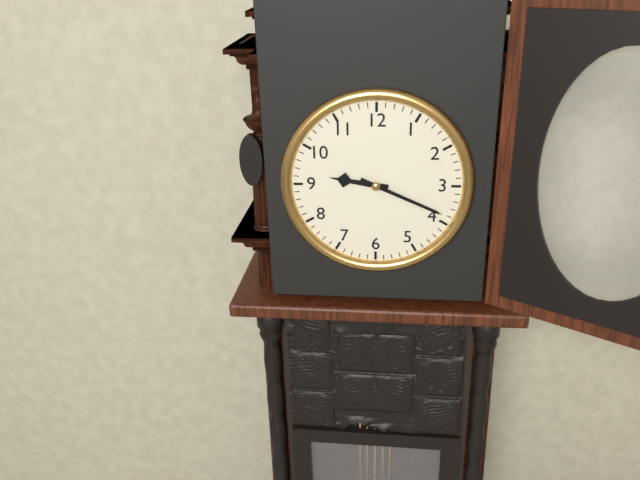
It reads 9,19
